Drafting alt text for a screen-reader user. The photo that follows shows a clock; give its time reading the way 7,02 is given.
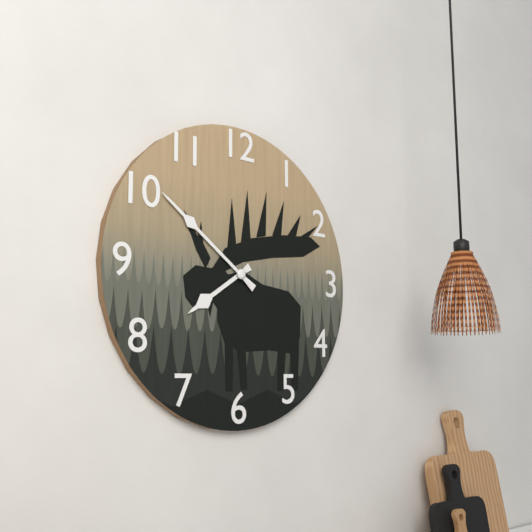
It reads 7,51
